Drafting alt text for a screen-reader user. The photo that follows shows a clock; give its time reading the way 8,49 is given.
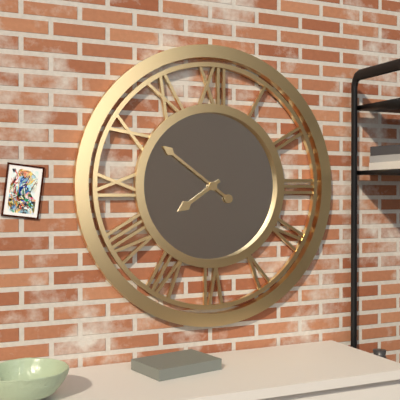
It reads 7,51
